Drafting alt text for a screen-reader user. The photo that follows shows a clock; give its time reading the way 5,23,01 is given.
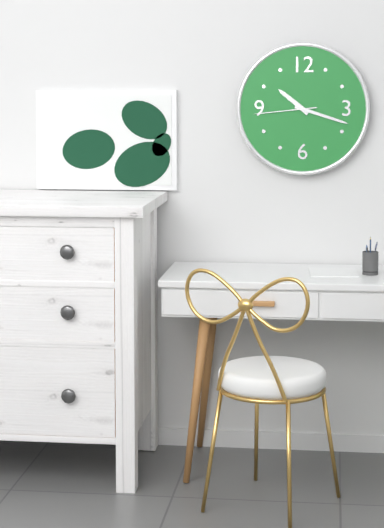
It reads 10,18,44
